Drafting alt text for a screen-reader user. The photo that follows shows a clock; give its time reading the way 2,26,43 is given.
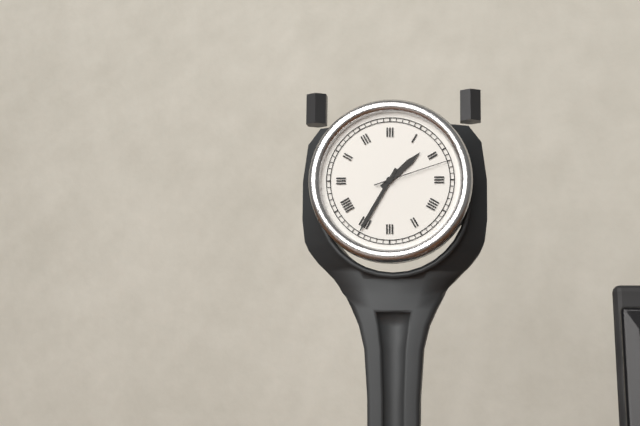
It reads 1,35,12
